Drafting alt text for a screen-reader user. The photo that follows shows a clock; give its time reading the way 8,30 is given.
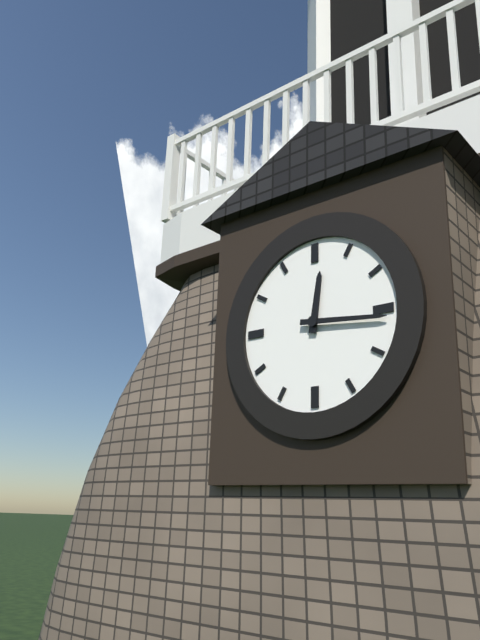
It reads 12,16
